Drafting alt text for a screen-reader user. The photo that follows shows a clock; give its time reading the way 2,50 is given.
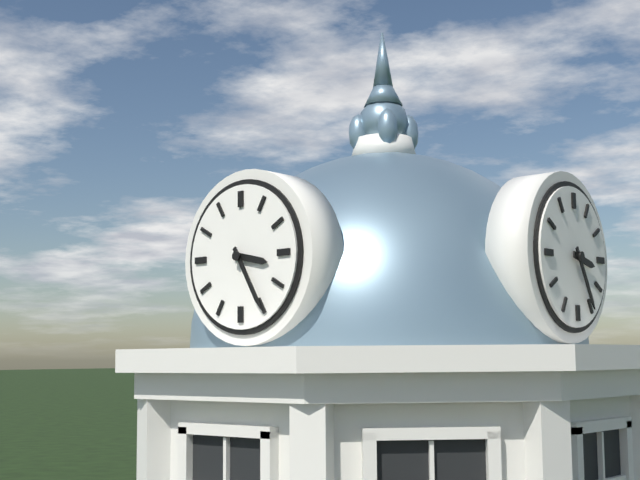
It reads 3,25
